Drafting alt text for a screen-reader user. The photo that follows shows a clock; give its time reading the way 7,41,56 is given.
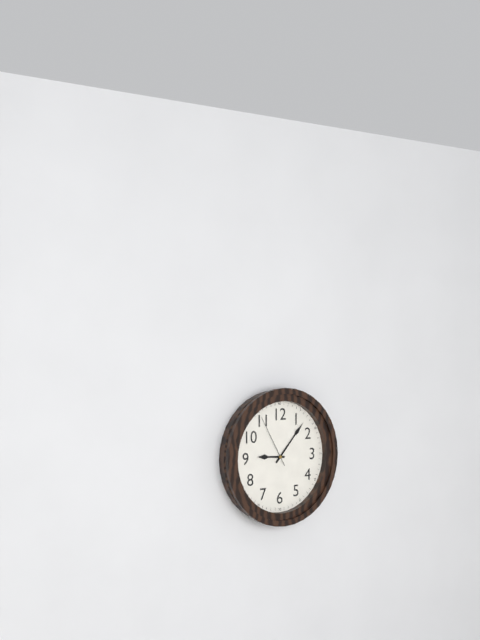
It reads 9,07,55
